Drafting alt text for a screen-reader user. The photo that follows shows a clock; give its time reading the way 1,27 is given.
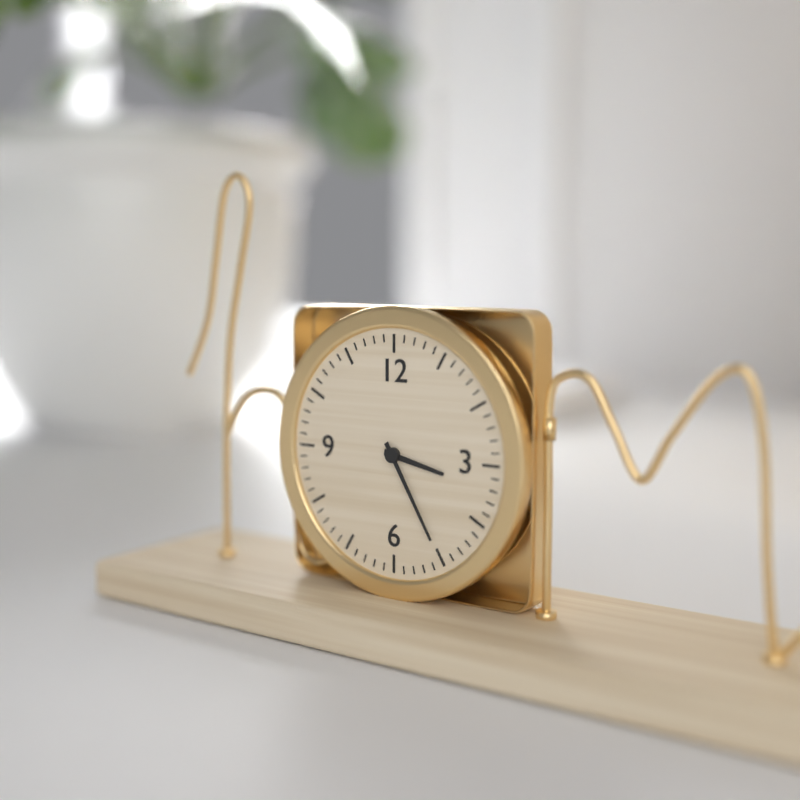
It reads 3,25
